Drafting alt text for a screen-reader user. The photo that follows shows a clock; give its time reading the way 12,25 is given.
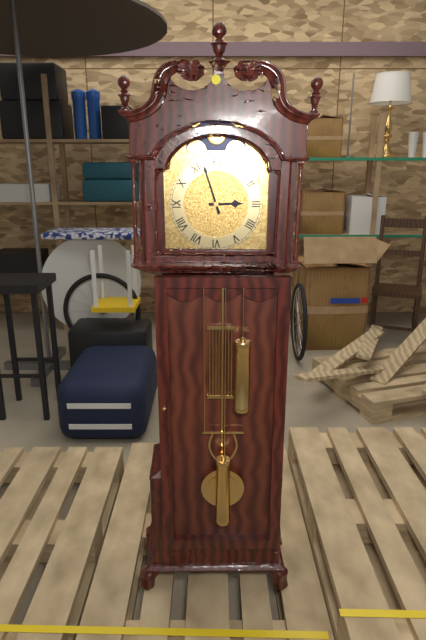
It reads 2,57
